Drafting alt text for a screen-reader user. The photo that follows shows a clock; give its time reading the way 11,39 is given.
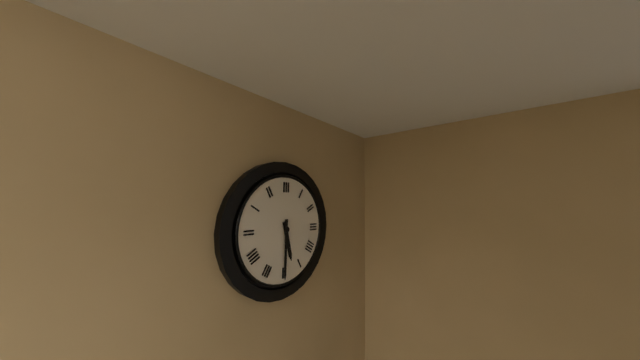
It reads 5,30
